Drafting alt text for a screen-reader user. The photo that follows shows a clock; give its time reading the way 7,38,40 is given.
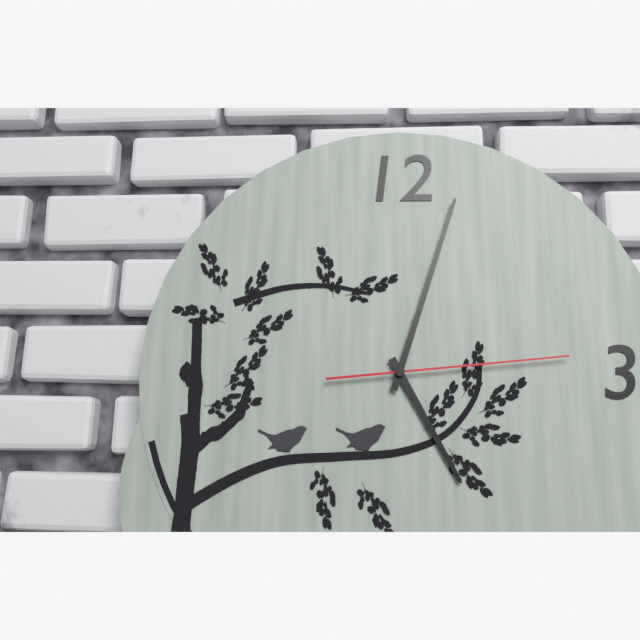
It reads 5,03,14
